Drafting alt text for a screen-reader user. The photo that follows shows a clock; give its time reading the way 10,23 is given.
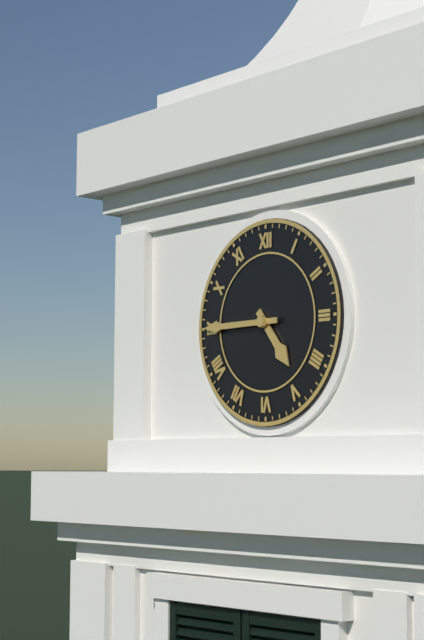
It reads 4,45
